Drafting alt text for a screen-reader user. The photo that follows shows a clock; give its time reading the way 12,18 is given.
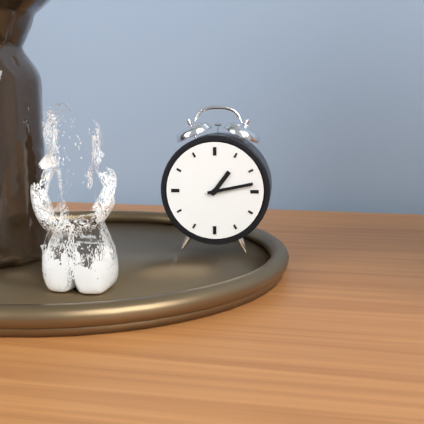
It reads 1,13
